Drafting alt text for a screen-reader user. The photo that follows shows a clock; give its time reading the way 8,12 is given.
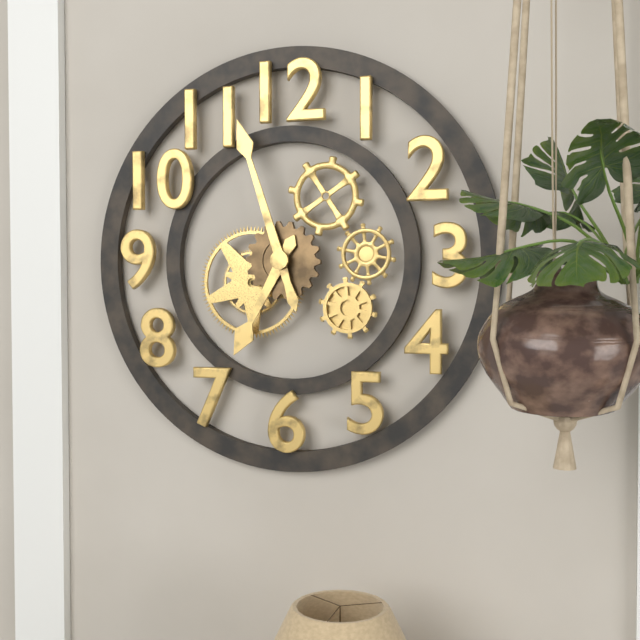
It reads 6,57
